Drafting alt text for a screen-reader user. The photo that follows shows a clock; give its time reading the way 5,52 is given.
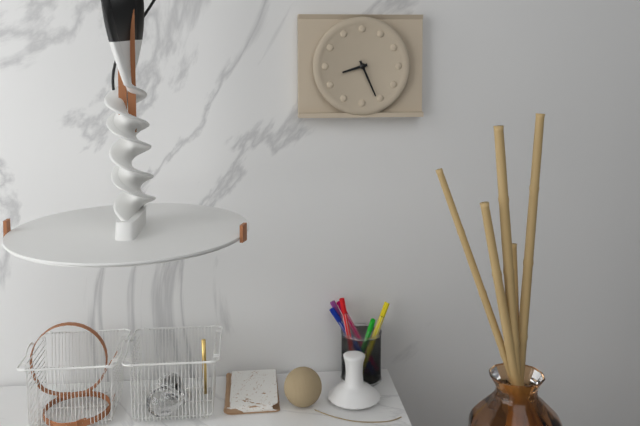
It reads 8,26
